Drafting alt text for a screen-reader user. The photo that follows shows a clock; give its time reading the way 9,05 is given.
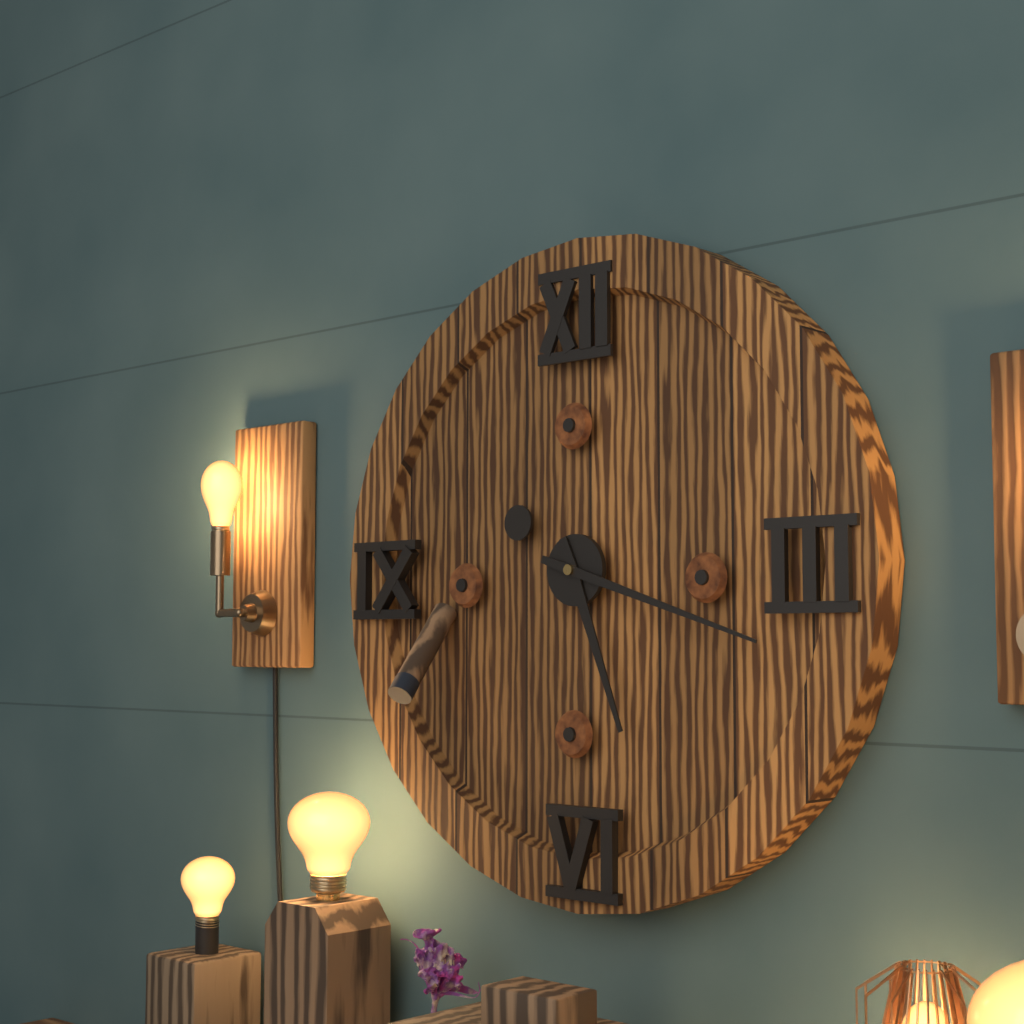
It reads 5,18
